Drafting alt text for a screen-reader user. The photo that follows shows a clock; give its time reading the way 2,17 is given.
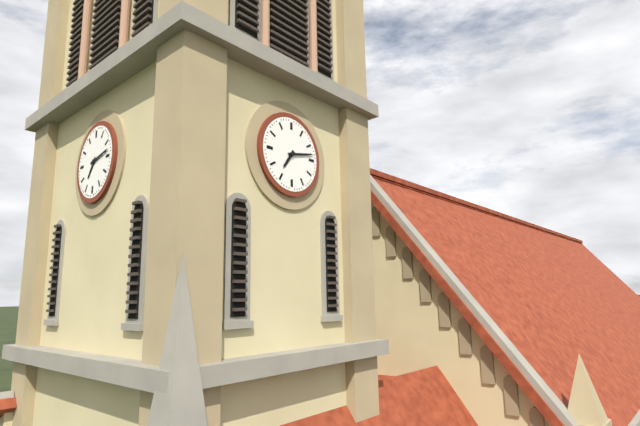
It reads 7,13
